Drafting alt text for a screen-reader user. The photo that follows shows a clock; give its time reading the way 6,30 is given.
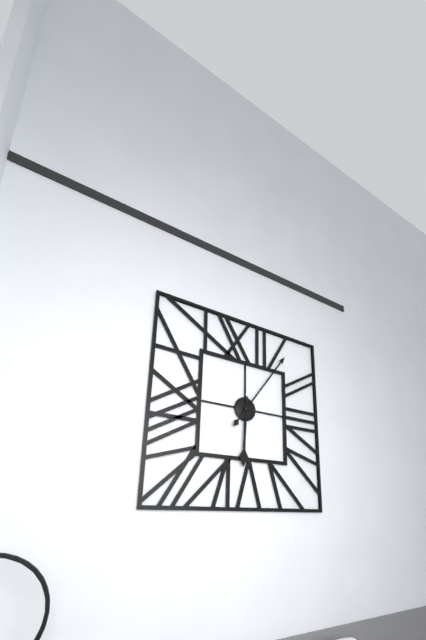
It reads 6,06
